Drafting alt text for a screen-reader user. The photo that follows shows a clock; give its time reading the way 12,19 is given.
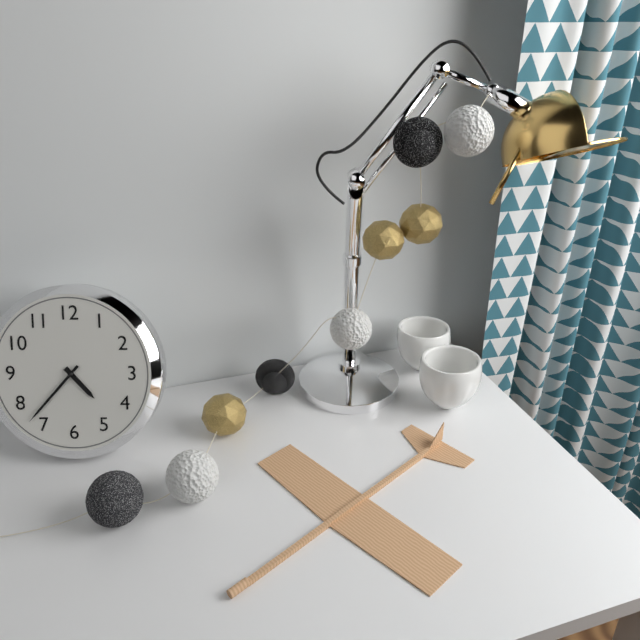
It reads 4,37
